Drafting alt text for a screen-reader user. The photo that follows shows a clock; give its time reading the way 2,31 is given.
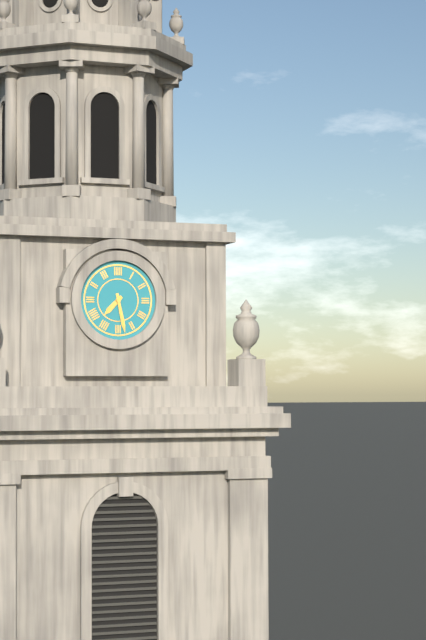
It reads 7,28
